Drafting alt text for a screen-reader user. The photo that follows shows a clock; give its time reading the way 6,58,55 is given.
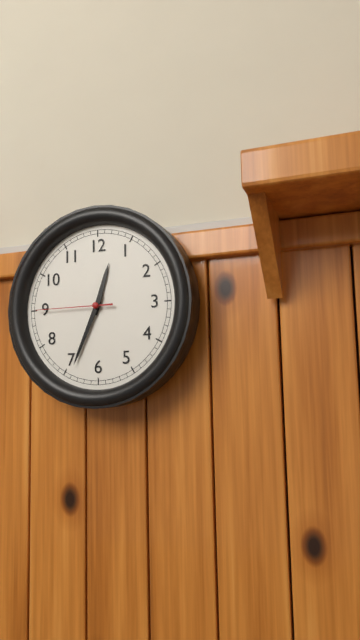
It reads 12,34,45
